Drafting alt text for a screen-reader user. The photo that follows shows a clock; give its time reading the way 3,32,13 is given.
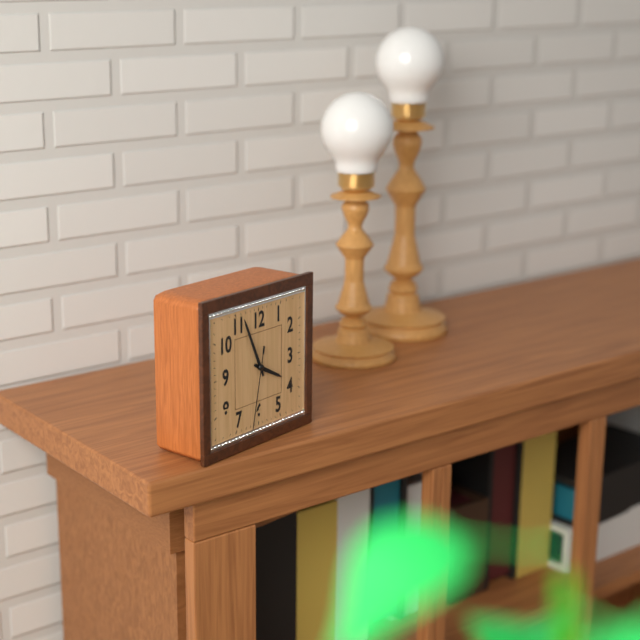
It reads 3,56,32
